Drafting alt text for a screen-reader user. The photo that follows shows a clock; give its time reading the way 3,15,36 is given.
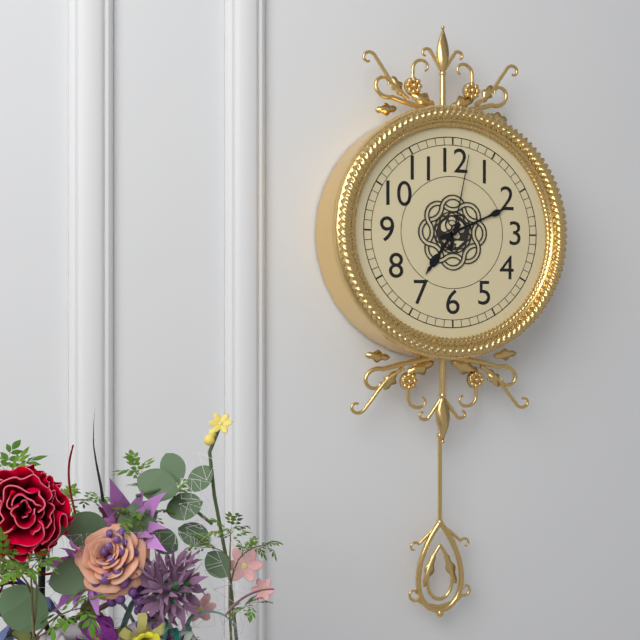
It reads 7,11,02
